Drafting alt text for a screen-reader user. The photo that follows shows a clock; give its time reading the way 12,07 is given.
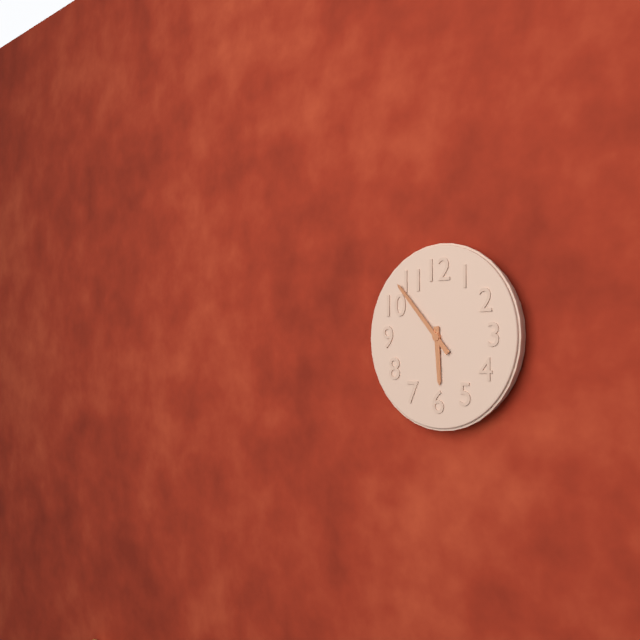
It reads 5,53
